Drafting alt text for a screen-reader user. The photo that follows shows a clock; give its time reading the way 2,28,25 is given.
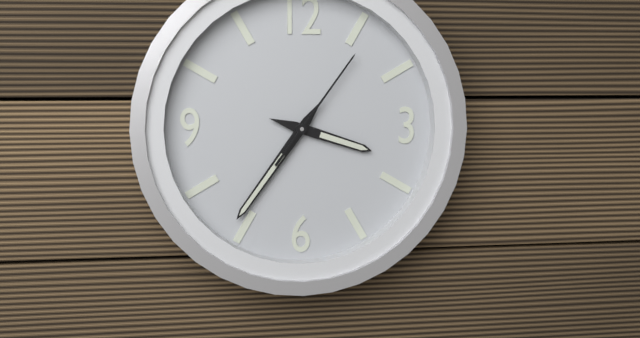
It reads 3,36,06
